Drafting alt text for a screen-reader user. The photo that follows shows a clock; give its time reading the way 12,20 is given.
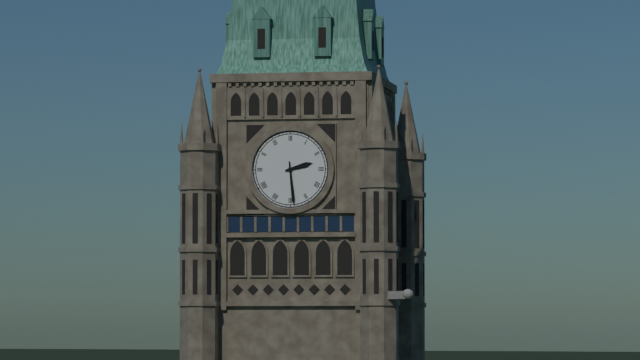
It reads 2,29
